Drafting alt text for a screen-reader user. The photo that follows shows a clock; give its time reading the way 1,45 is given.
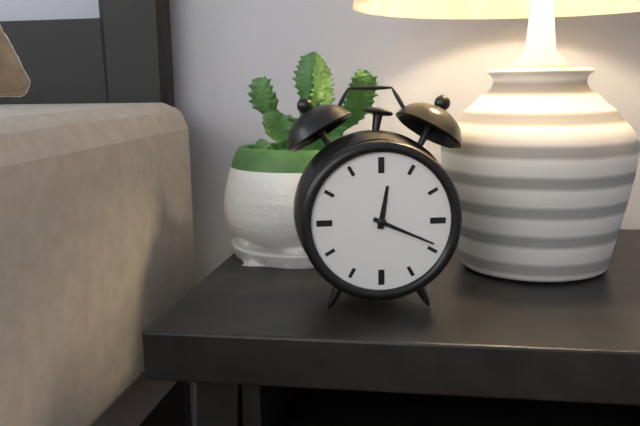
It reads 12,19
